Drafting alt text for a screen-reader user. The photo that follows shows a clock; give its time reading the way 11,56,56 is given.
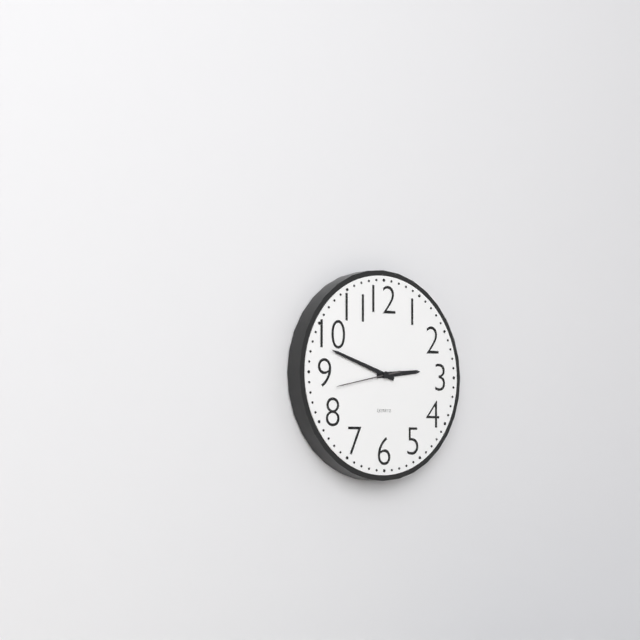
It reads 2,48,43
